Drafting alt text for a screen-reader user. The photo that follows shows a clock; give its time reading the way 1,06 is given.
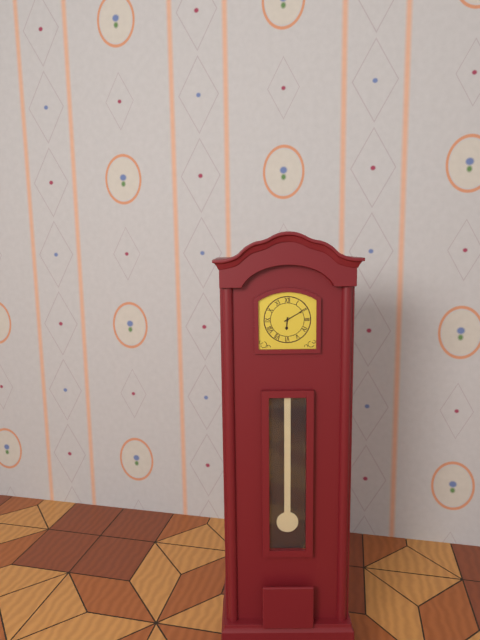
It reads 6,10
